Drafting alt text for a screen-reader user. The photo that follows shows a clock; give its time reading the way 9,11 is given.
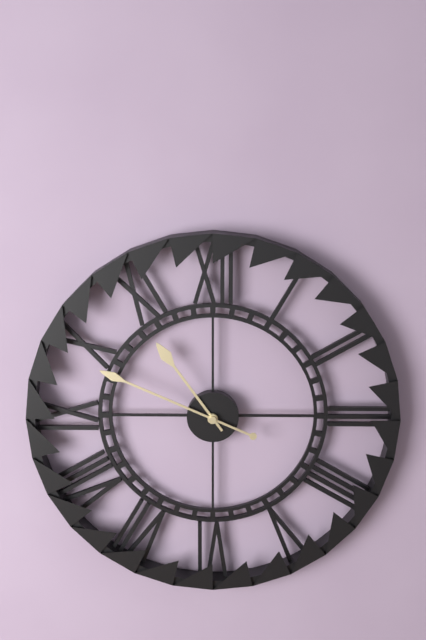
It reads 10,49
